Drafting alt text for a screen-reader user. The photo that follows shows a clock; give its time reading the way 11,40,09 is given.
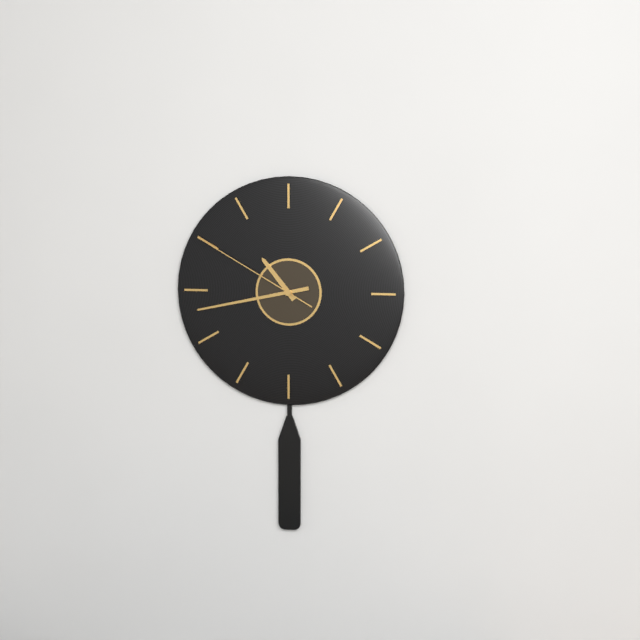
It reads 10,43,50
